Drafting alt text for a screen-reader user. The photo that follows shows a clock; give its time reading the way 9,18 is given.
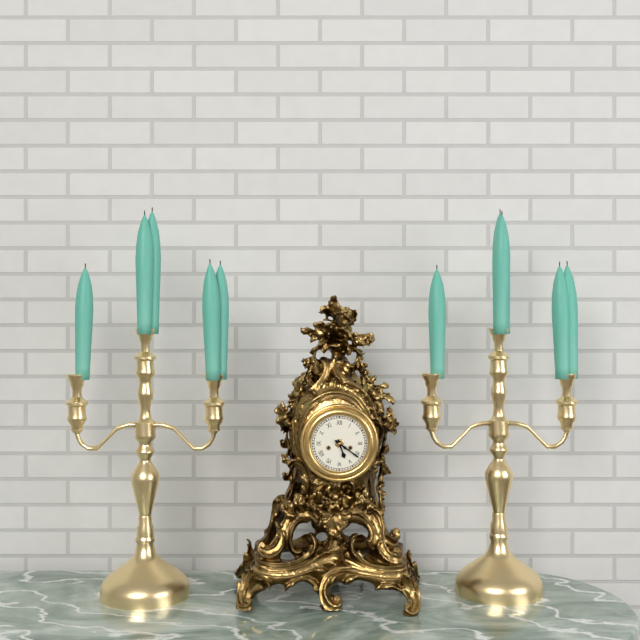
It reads 5,21
